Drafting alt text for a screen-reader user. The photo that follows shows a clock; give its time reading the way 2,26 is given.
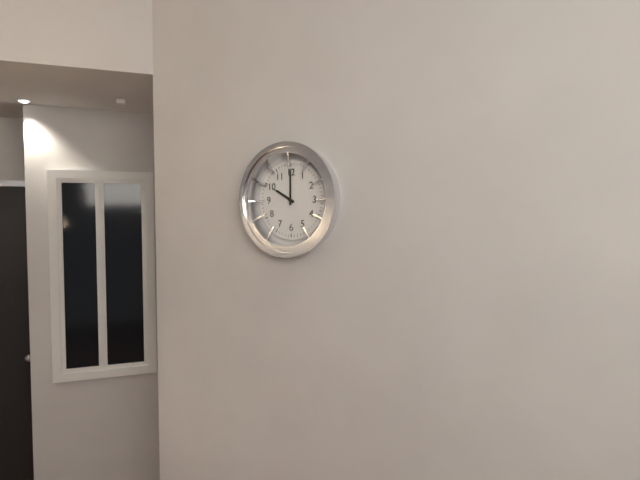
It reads 10,00
